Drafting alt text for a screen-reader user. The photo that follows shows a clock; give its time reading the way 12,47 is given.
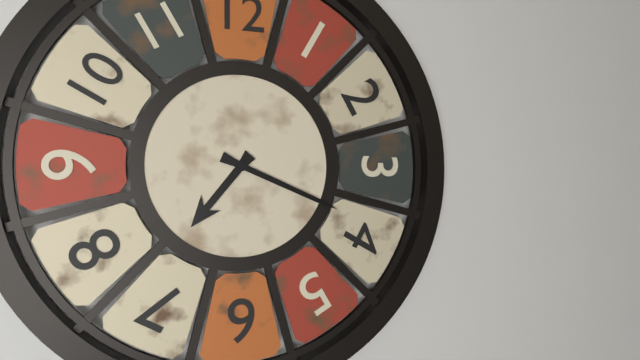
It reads 7,19
